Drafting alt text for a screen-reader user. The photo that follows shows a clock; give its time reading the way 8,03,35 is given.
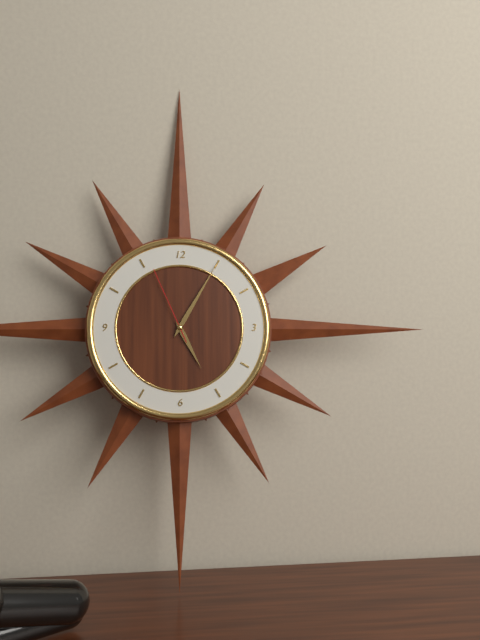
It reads 5,05,56
